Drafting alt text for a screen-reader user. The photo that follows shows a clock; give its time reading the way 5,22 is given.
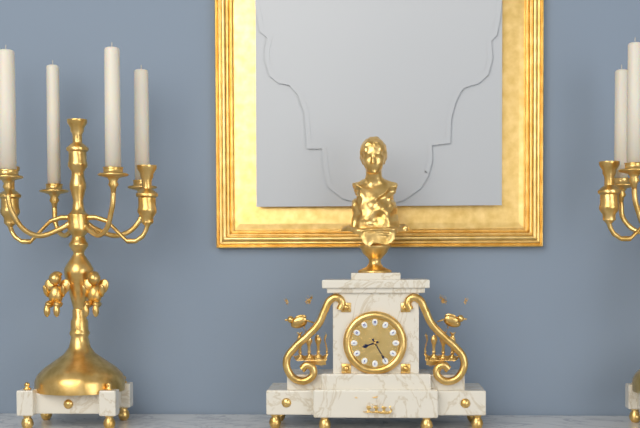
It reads 8,25
